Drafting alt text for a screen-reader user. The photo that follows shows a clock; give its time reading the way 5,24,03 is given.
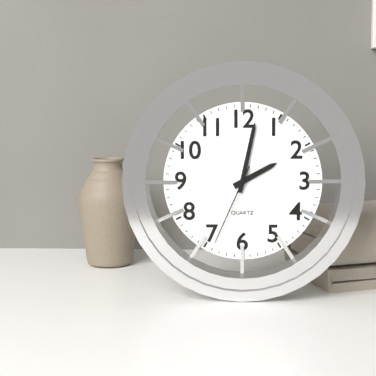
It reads 2,02,34
